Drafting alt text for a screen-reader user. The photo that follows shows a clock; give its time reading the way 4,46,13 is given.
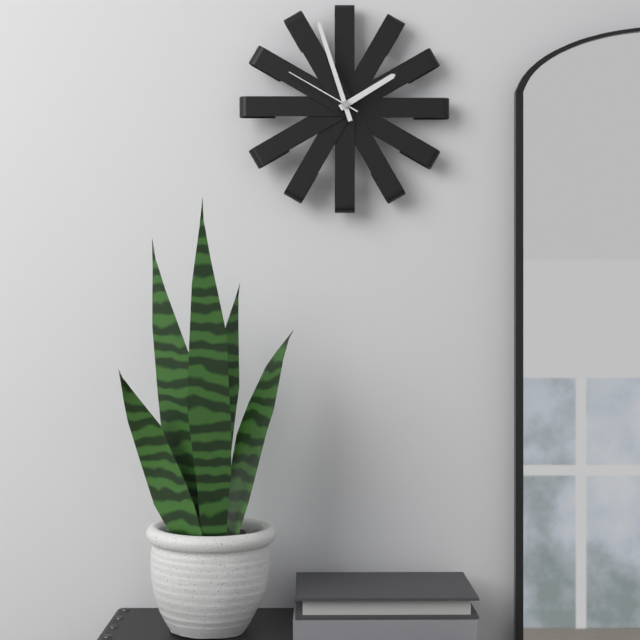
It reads 1,57,50
